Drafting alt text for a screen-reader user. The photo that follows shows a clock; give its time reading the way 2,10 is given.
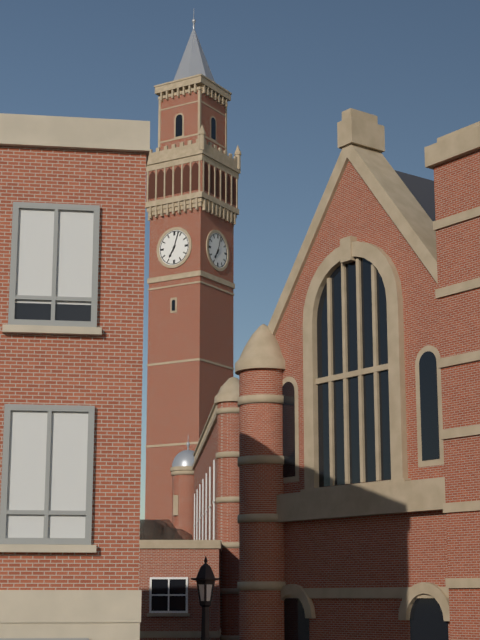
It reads 7,03
